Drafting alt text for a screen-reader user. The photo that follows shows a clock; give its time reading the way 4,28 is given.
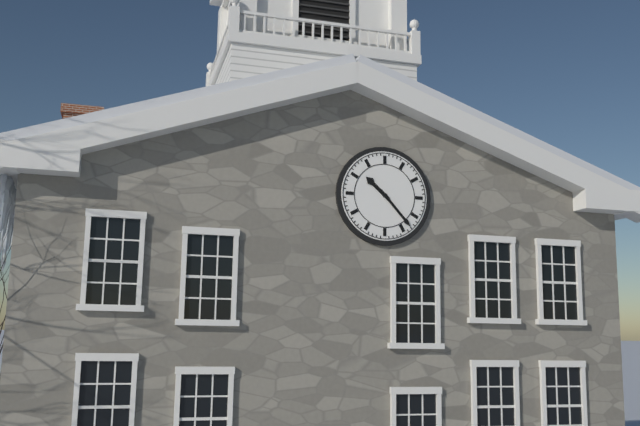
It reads 10,23
